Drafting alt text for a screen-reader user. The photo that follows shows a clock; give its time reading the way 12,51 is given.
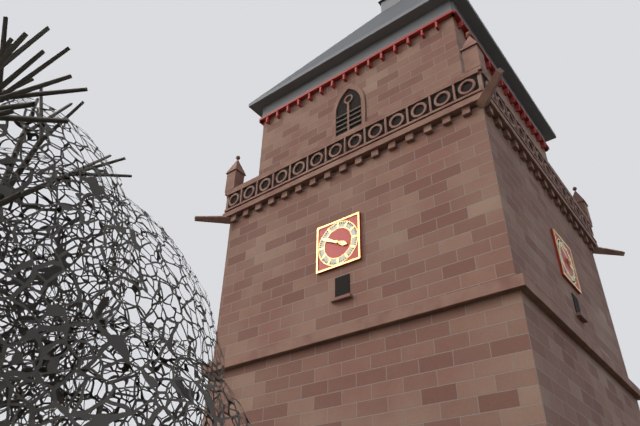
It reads 3,50
